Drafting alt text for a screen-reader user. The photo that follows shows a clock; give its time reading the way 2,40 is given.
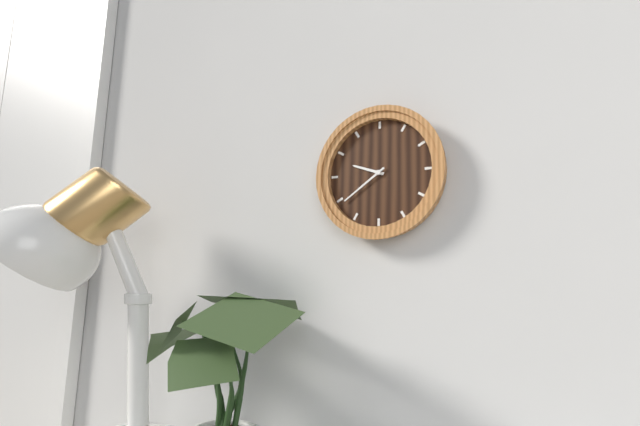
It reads 9,39
